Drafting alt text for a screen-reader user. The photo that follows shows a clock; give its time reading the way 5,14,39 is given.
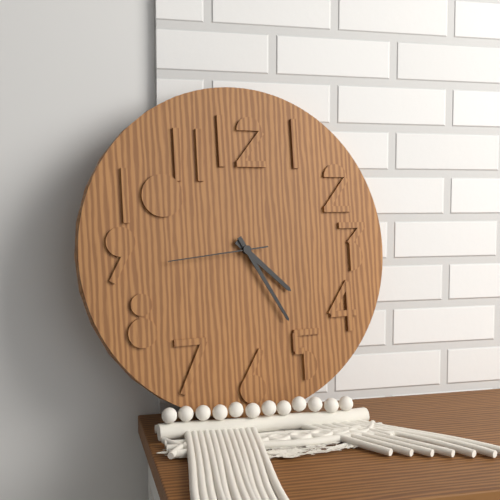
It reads 4,25,44
